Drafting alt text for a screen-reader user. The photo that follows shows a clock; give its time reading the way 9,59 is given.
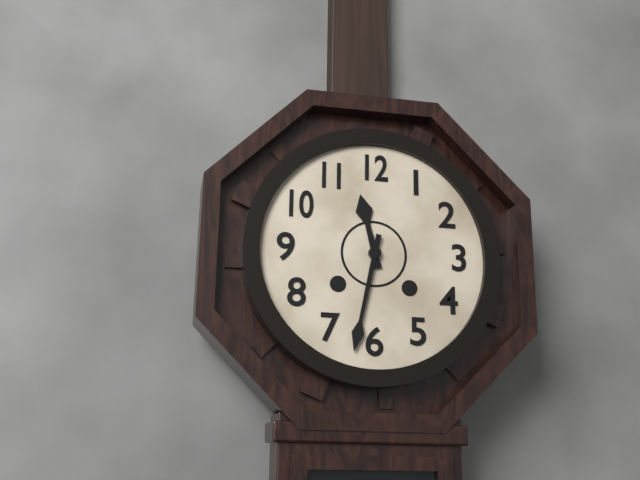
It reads 11,32
